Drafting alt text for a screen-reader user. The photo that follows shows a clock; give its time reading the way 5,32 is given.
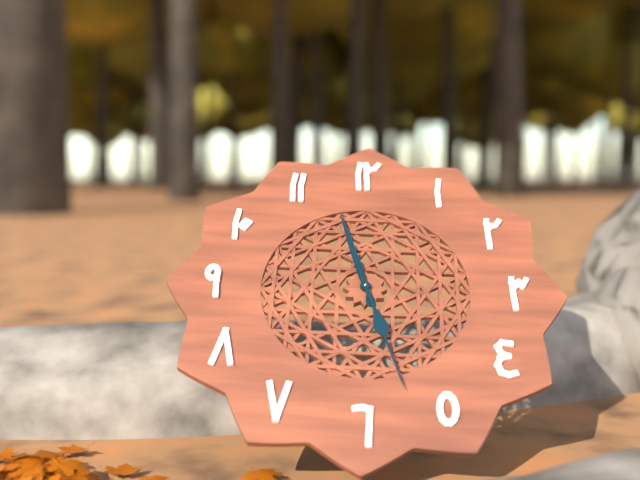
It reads 11,27
